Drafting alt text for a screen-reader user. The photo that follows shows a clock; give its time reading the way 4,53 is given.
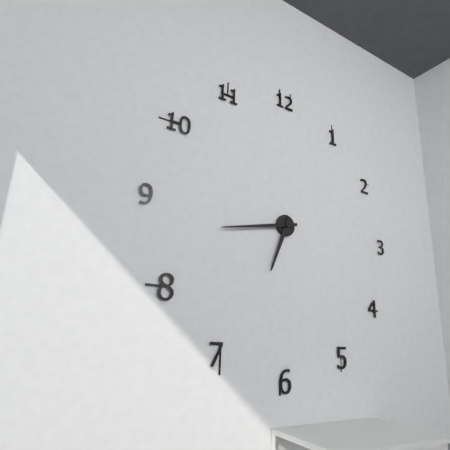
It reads 6,43
